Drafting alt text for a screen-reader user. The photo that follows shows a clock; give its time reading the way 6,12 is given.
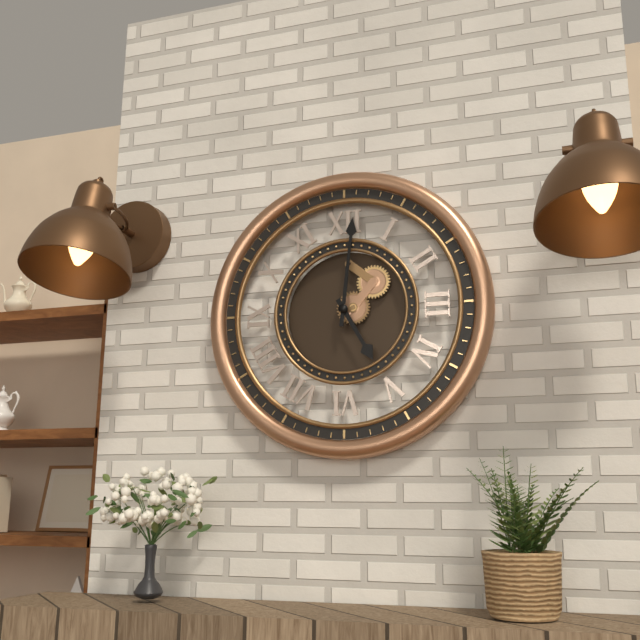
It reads 5,01
